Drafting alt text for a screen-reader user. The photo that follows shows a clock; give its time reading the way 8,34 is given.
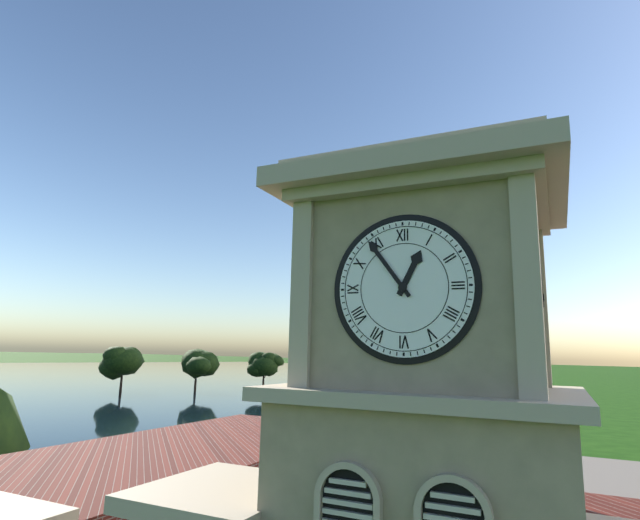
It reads 12,54
